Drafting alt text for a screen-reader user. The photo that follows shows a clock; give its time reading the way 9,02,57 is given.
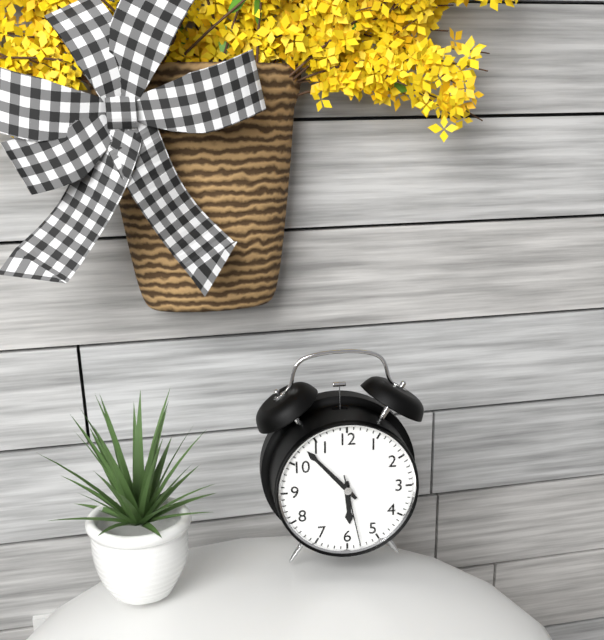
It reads 5,53,28
